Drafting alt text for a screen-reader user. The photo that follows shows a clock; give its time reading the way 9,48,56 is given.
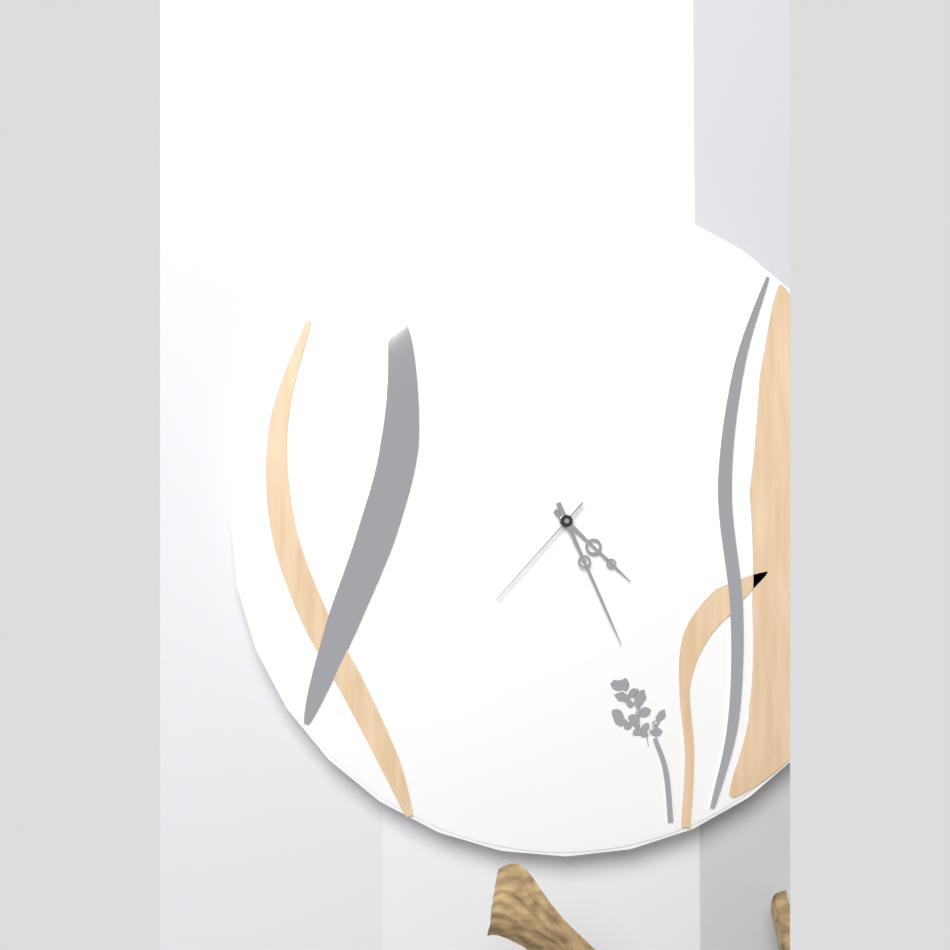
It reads 4,26,37
